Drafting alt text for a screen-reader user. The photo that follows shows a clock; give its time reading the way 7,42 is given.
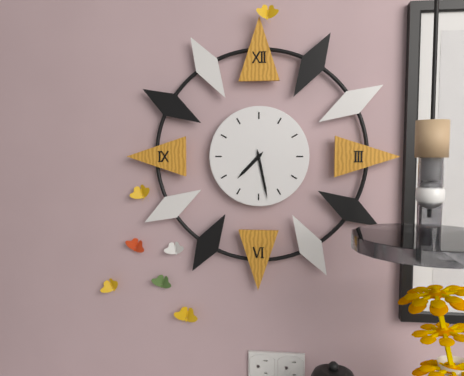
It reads 7,28
